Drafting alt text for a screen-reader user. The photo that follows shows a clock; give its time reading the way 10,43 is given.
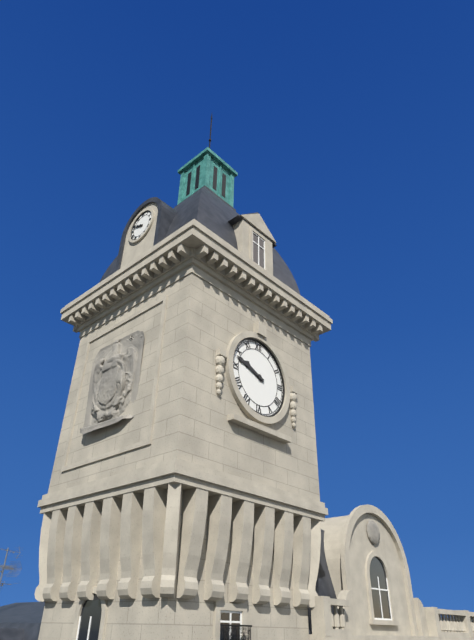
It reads 9,48
